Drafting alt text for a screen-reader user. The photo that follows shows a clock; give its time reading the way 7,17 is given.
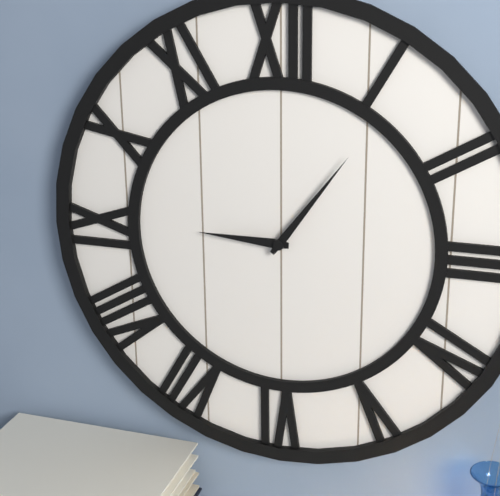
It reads 9,06
